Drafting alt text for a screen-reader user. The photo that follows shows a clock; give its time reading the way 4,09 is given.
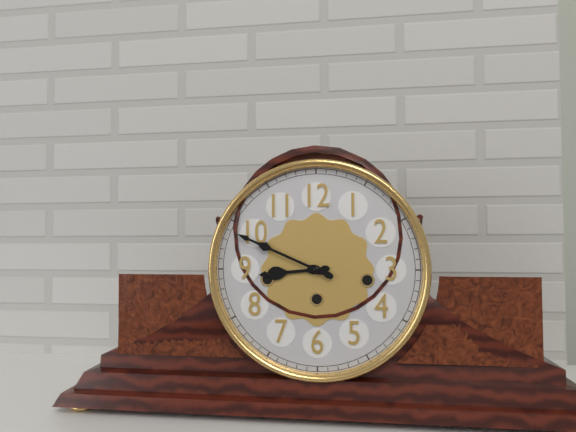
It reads 8,49
